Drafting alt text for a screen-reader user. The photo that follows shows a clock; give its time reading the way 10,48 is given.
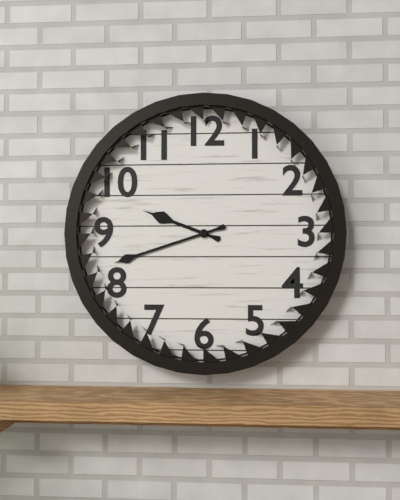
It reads 9,42
